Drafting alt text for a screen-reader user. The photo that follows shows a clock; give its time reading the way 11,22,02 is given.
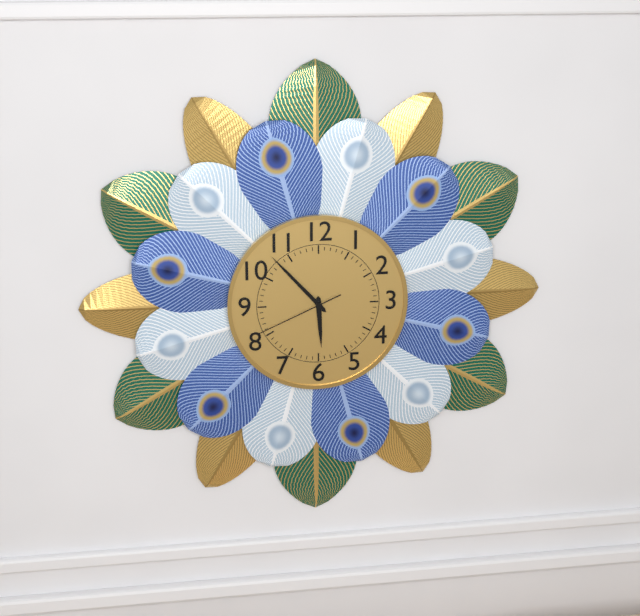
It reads 5,53,41
